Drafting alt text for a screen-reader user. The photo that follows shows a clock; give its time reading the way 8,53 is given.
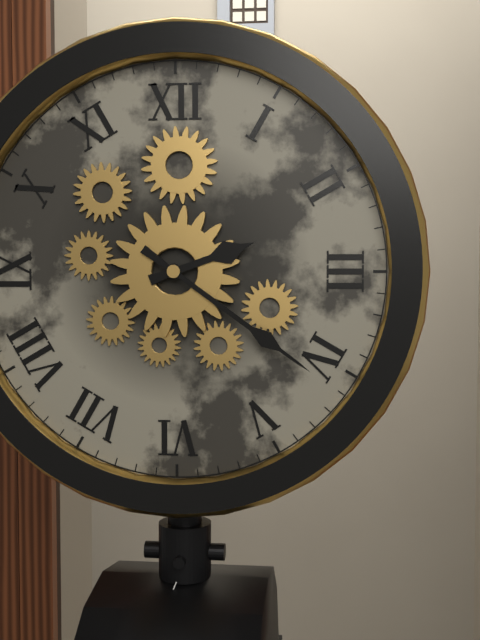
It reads 2,21
